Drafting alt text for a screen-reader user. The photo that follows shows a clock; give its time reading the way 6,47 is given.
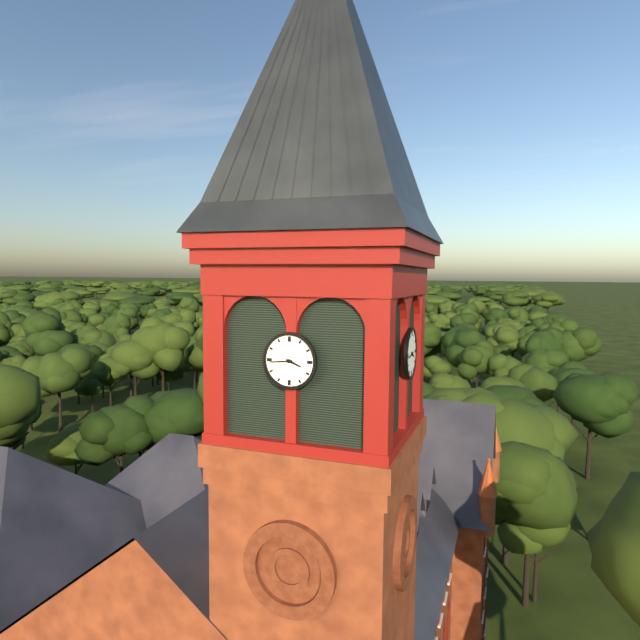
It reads 3,44
